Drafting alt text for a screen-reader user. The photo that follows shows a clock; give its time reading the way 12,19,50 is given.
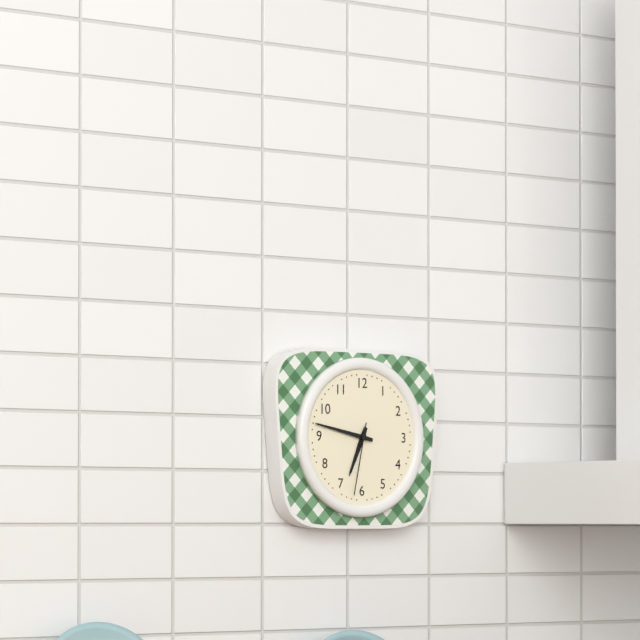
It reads 6,47,32
